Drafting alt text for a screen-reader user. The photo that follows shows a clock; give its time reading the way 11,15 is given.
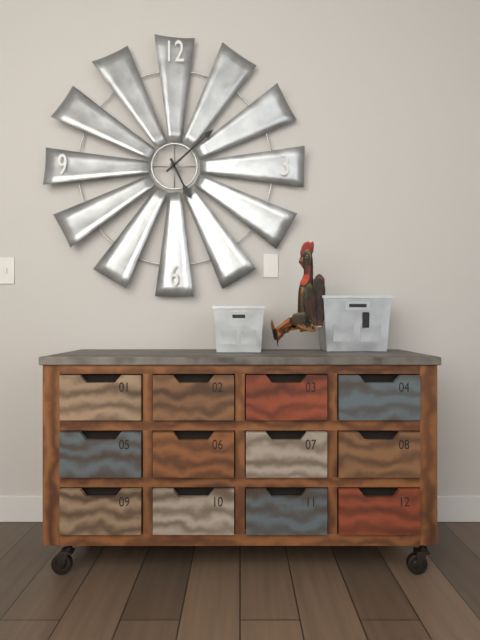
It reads 5,08
